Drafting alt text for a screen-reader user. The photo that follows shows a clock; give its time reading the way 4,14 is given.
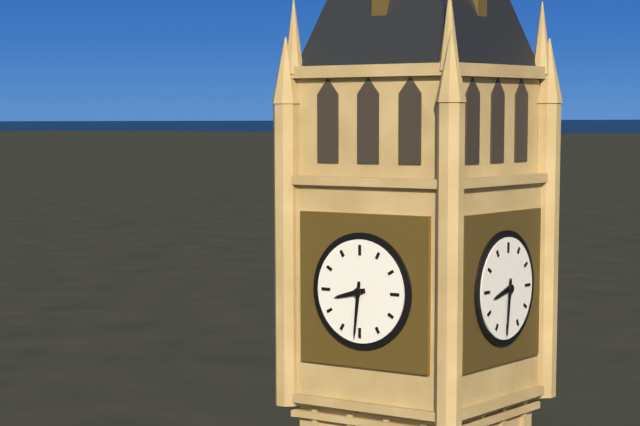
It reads 8,31
